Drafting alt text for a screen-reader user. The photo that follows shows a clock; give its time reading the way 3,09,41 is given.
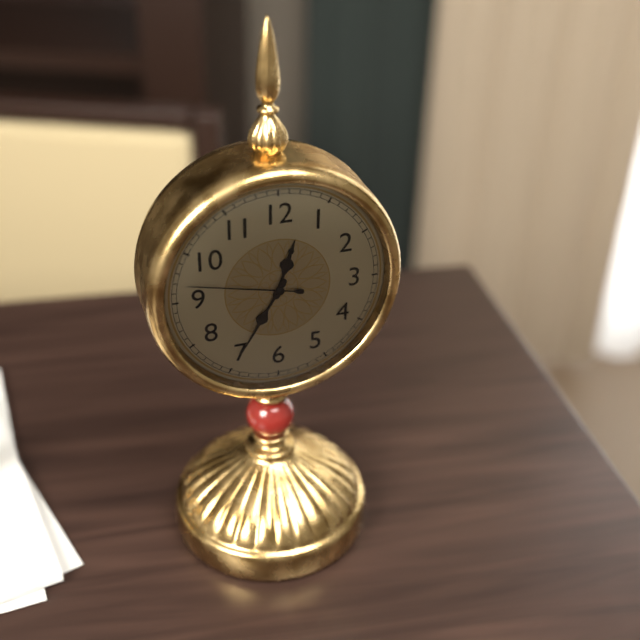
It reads 12,35,47
